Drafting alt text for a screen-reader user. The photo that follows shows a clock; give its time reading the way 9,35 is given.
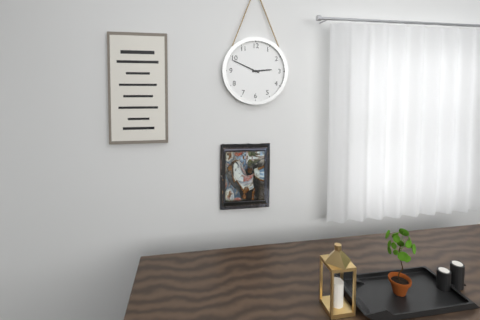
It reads 2,49
